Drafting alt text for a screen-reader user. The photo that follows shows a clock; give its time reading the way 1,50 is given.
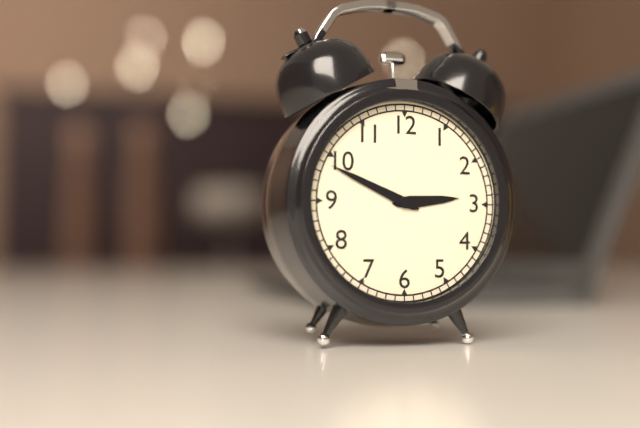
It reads 2,49
